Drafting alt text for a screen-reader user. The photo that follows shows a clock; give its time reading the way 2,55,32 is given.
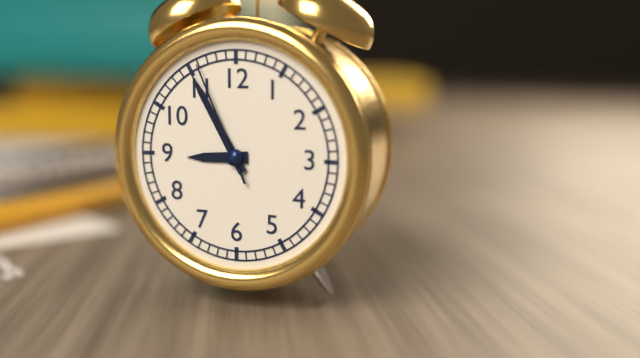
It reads 8,55,56
